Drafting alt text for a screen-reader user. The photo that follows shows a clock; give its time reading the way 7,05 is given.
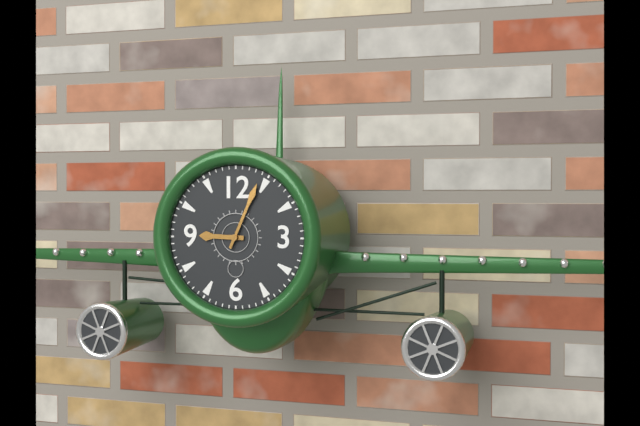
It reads 9,04
